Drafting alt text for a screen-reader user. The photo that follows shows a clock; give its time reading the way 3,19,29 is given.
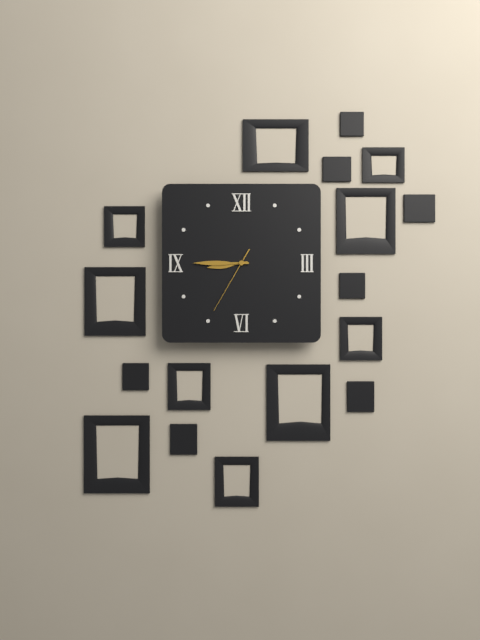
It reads 8,45,35
